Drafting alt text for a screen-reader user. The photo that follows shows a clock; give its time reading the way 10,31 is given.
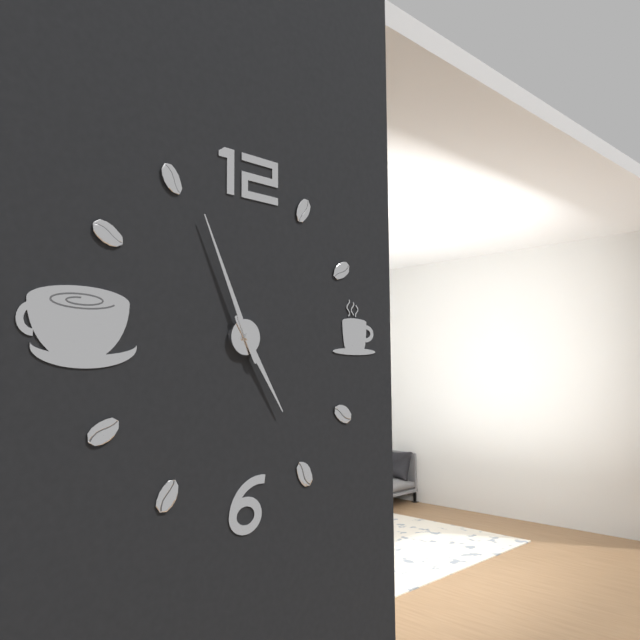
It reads 4,56
